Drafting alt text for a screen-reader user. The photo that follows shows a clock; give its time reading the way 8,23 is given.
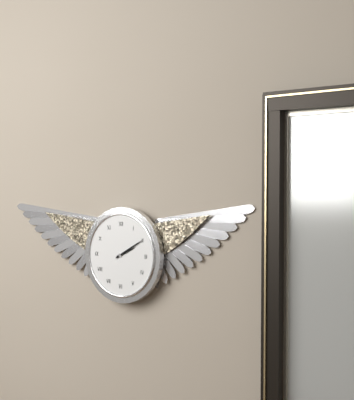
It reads 2,10
